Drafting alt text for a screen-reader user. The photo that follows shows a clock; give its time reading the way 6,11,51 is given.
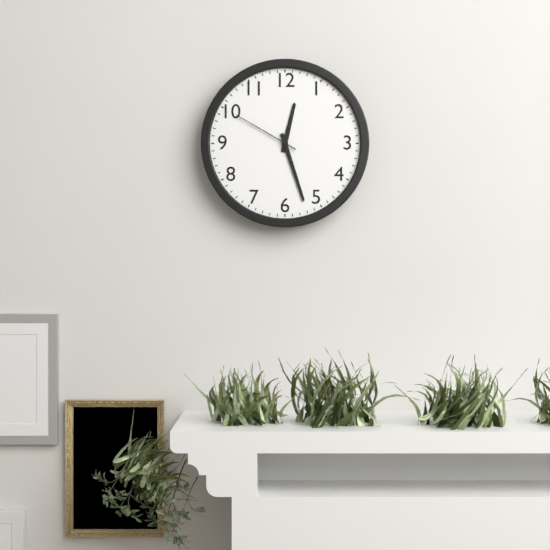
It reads 12,27,50
